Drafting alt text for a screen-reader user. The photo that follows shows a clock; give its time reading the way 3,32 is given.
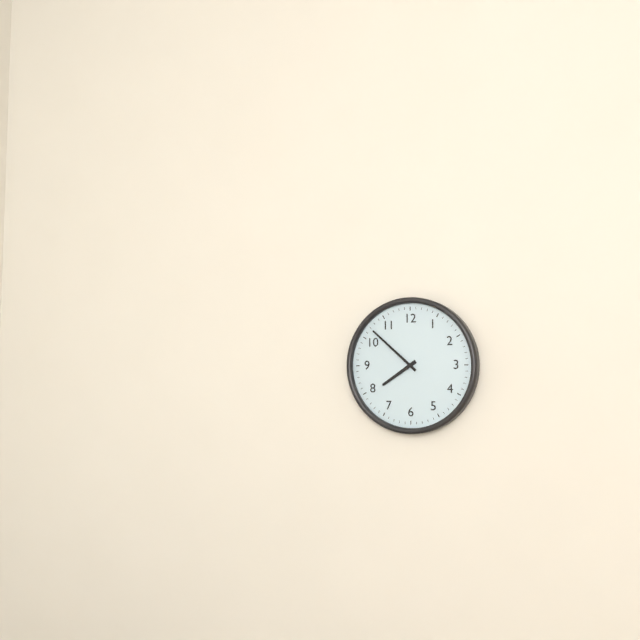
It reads 7,52
